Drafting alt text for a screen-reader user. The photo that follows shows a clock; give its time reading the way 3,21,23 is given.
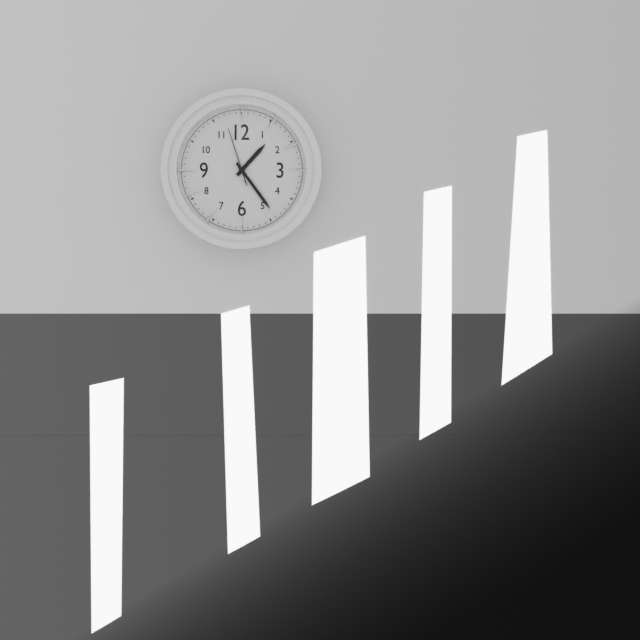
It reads 1,24,57
